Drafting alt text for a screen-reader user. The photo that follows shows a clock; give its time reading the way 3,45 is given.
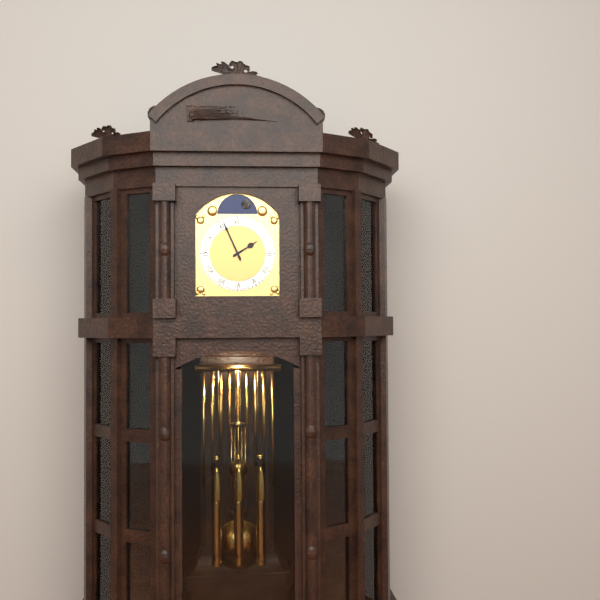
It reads 1,56
